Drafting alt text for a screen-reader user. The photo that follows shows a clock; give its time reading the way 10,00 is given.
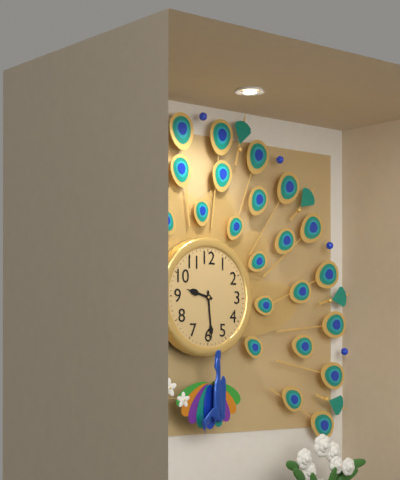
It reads 9,29
